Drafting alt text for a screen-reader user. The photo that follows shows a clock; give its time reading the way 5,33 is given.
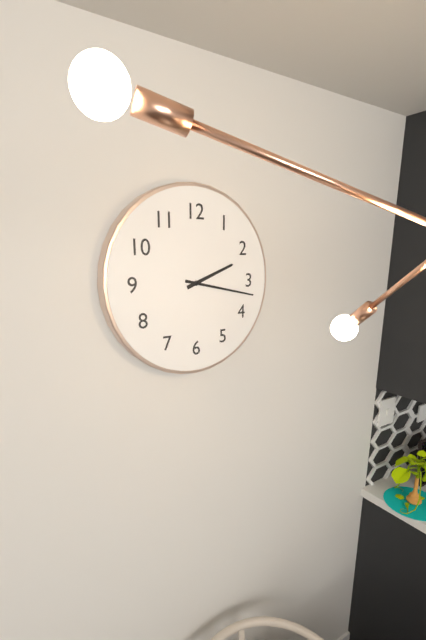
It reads 2,17
